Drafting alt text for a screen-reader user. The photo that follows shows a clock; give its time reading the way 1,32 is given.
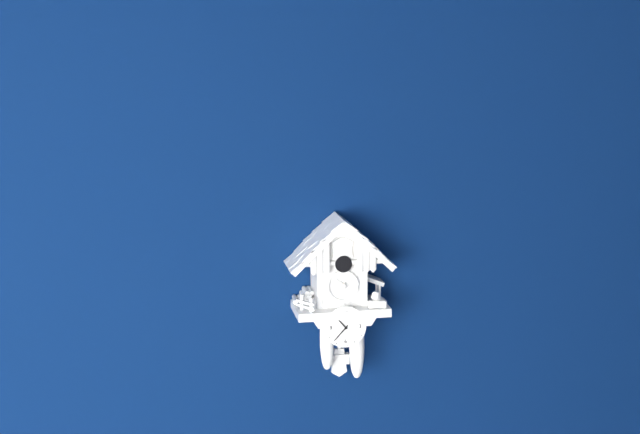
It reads 10,37
